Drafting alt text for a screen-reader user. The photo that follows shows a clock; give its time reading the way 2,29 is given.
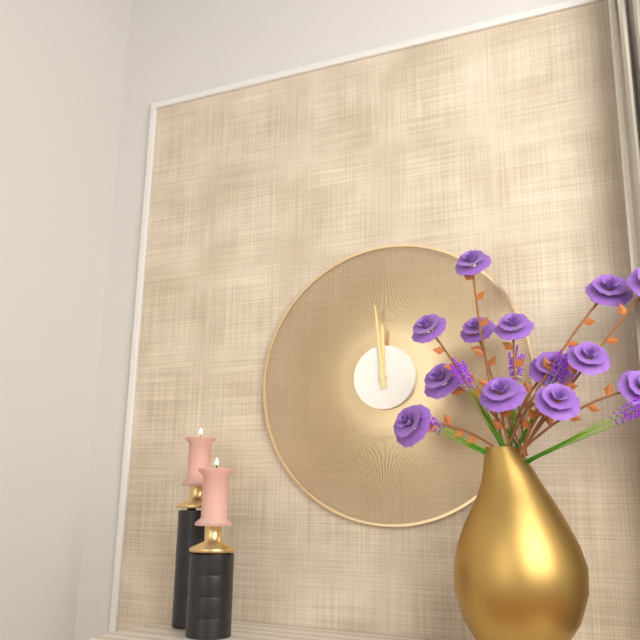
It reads 11,59
